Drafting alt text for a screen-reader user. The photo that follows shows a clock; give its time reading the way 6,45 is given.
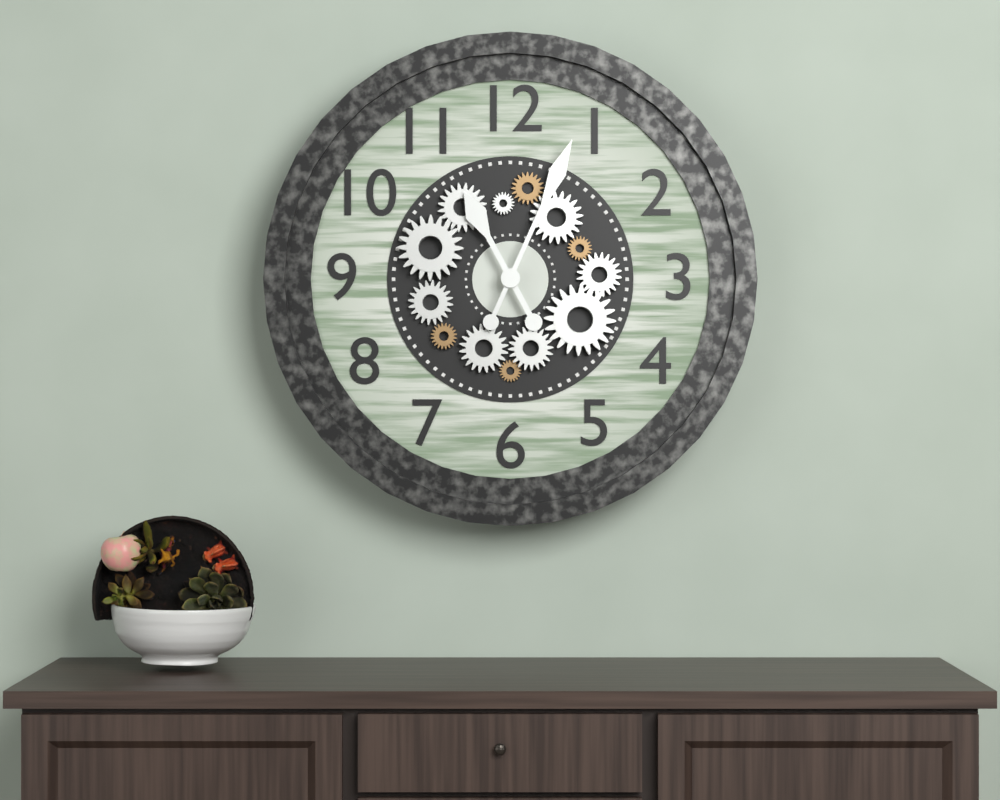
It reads 11,04
